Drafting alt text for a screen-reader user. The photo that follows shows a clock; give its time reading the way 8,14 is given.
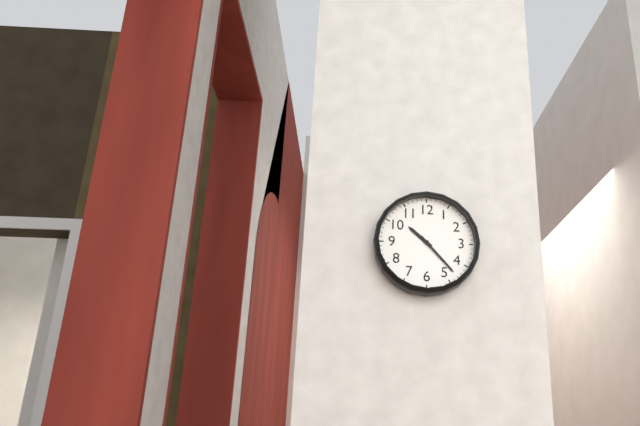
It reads 10,23
